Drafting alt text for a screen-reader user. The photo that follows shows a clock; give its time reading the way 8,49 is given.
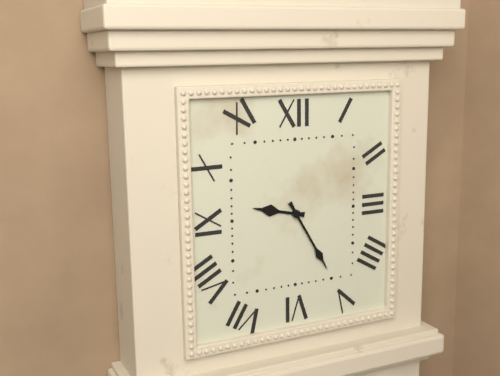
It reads 9,25
